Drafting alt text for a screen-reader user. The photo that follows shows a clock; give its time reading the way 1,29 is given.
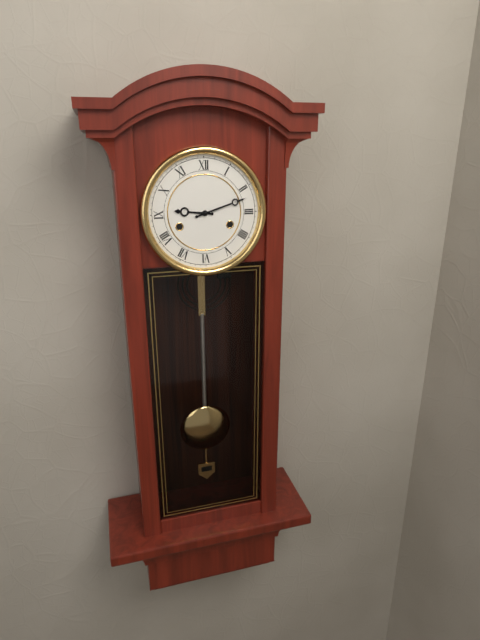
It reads 9,12
